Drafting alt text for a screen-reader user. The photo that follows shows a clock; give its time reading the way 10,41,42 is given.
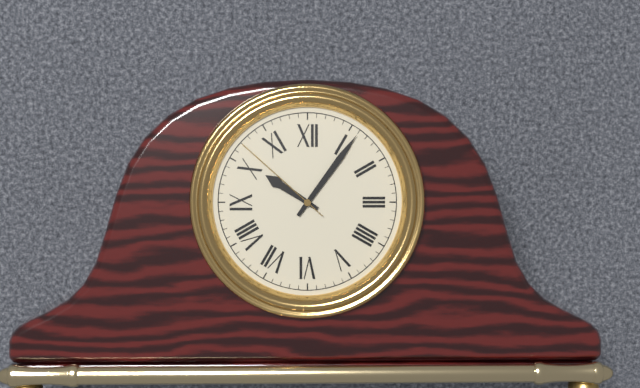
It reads 10,06,52
